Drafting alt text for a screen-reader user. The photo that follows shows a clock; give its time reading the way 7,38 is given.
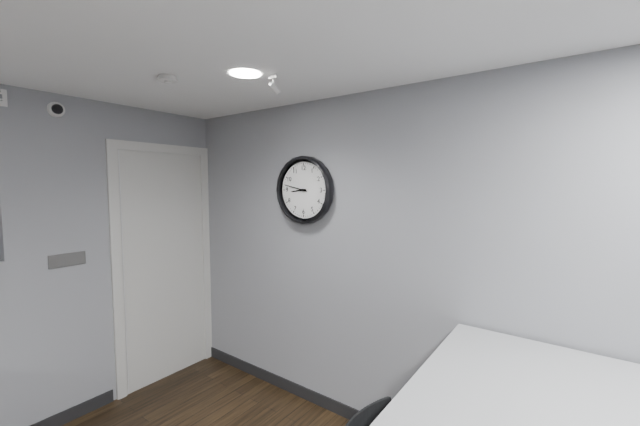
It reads 8,47
